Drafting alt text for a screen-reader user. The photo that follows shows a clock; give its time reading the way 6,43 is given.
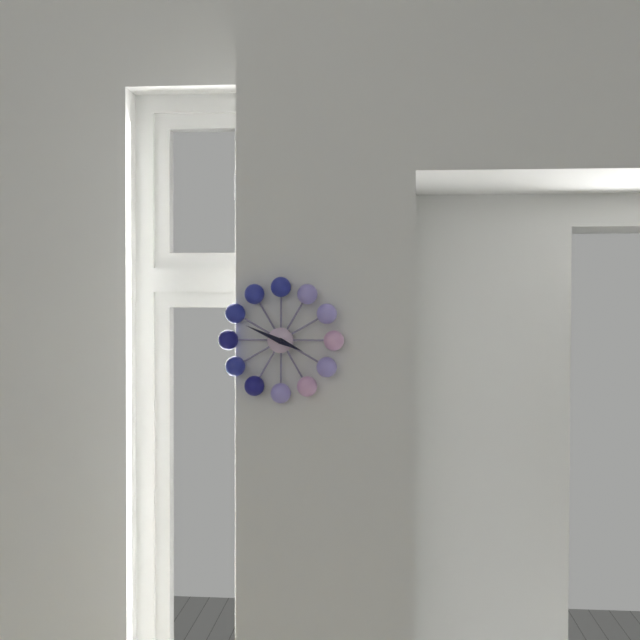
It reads 3,49
